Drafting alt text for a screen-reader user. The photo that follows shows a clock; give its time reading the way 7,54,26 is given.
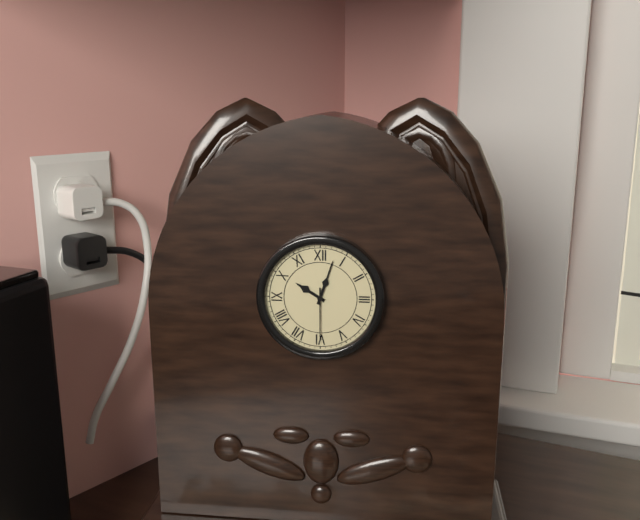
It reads 10,03,30
